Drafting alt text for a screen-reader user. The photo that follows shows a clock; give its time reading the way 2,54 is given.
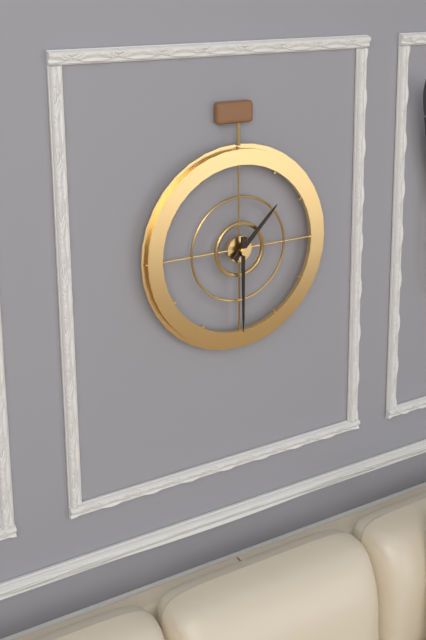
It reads 1,30
